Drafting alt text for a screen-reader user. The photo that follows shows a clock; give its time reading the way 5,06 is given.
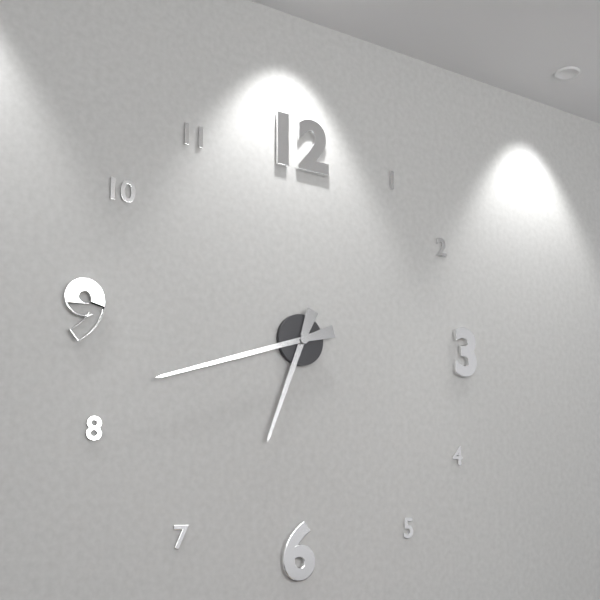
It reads 6,42
